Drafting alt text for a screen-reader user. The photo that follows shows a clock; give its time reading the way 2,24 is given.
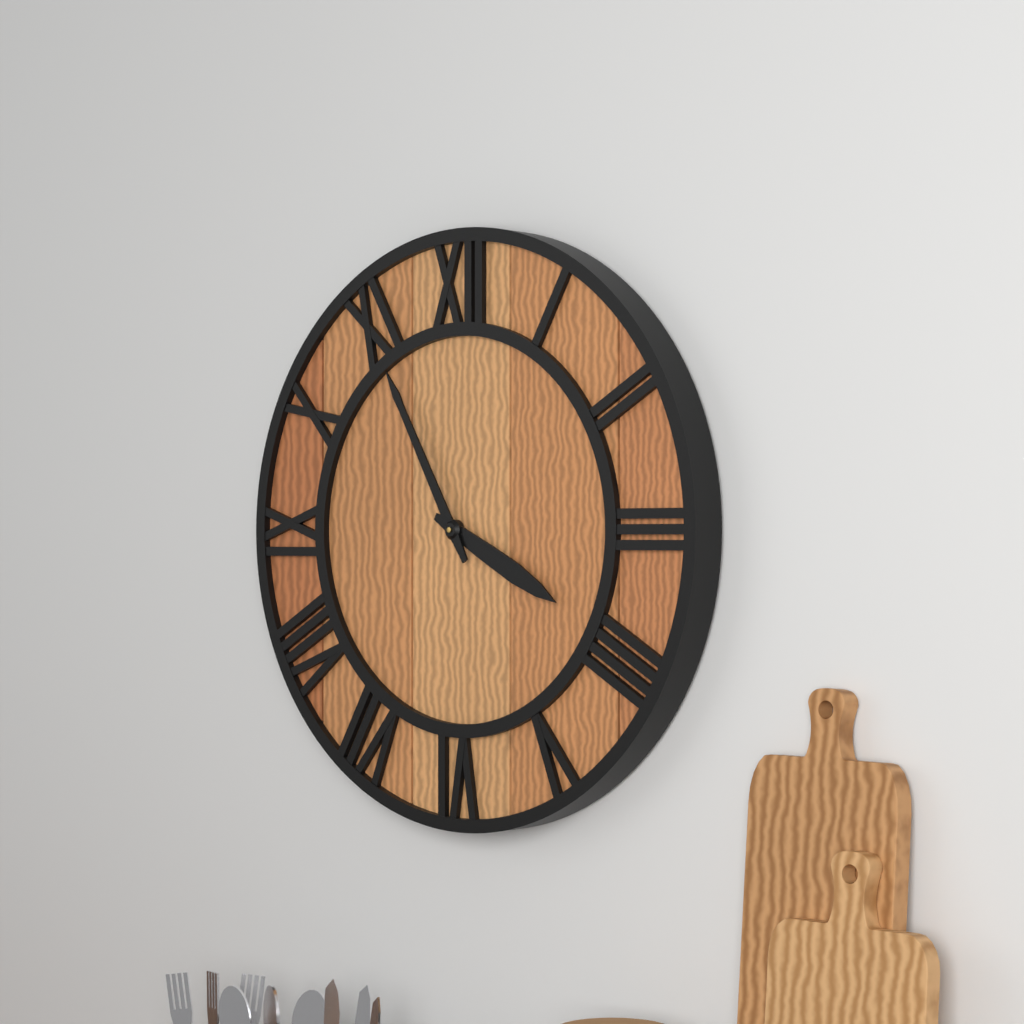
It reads 3,55
